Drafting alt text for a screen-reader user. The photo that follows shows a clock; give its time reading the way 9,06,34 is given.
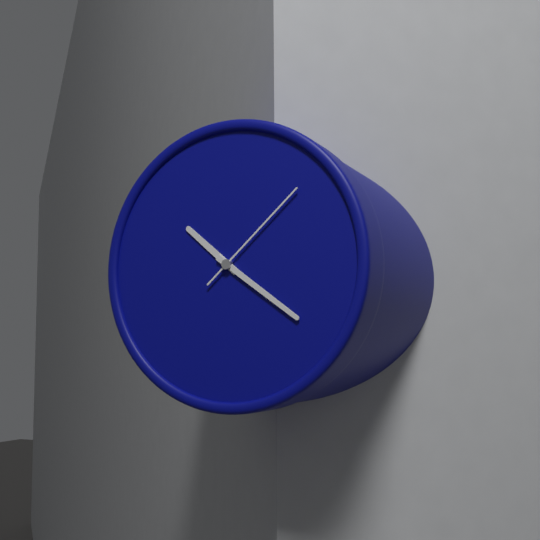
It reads 10,21,08
